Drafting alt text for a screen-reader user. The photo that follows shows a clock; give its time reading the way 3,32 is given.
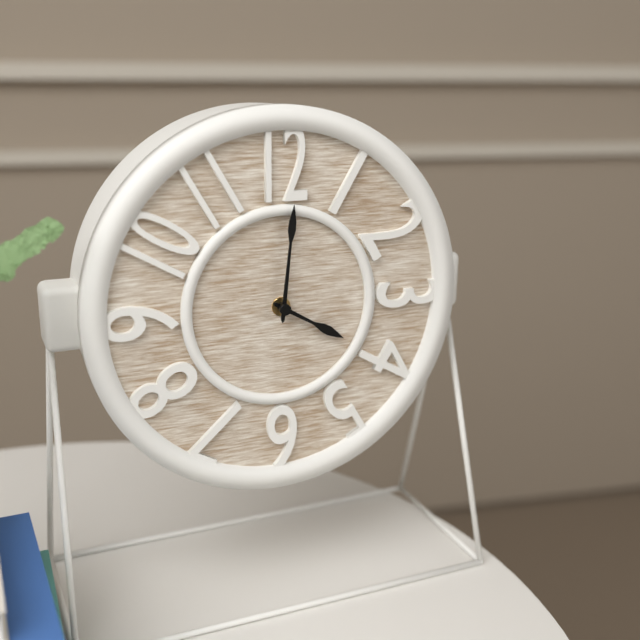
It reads 4,01
